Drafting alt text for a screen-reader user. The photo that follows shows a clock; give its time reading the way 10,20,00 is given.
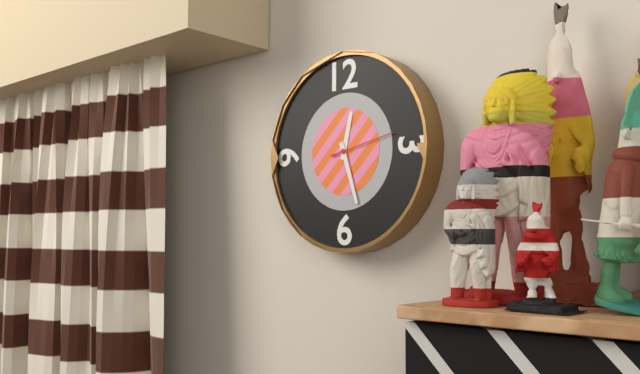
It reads 12,27,13
